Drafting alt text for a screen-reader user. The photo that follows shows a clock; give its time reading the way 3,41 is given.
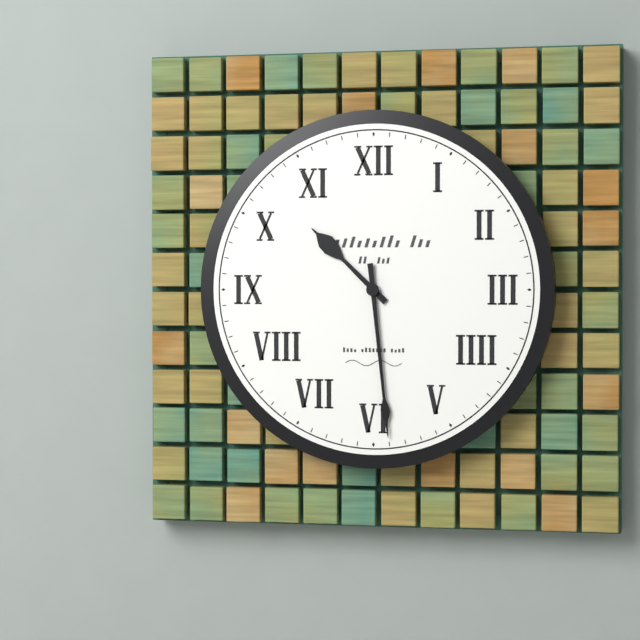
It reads 10,29
